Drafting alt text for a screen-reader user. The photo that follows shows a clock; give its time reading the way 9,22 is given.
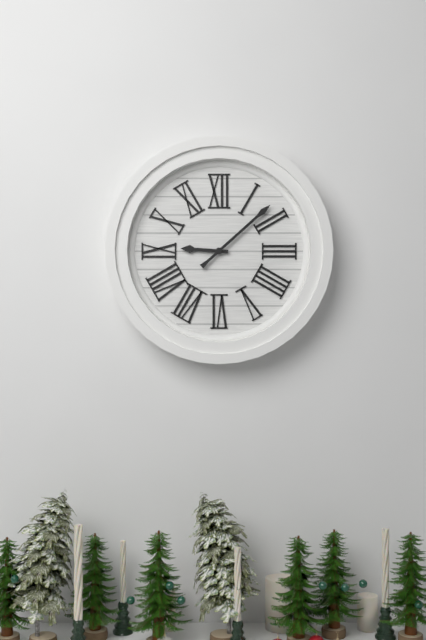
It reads 9,08
